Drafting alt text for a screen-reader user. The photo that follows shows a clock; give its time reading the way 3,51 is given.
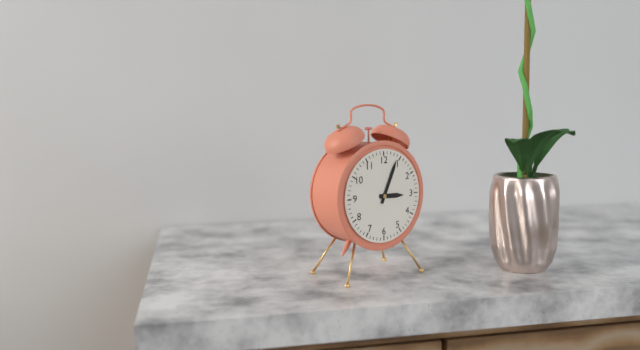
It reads 3,04
